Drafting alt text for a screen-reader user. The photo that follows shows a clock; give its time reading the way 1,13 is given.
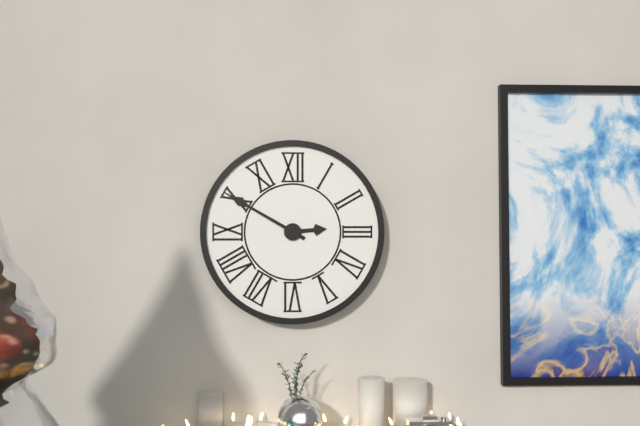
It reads 2,50
